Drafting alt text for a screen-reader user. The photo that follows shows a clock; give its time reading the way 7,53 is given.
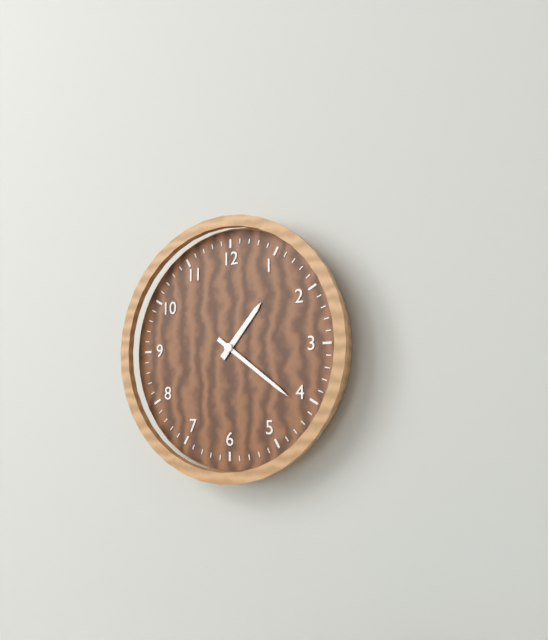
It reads 1,21
